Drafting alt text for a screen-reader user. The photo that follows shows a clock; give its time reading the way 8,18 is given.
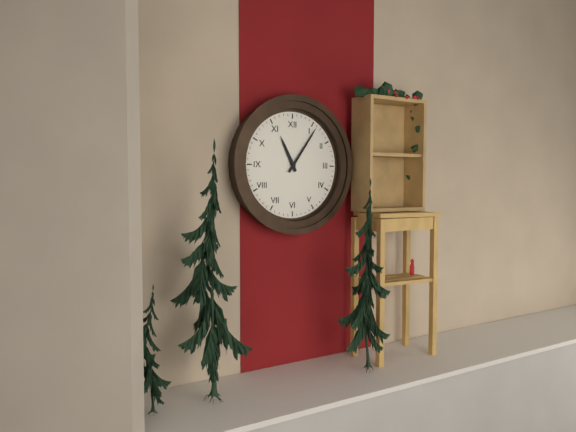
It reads 11,06
